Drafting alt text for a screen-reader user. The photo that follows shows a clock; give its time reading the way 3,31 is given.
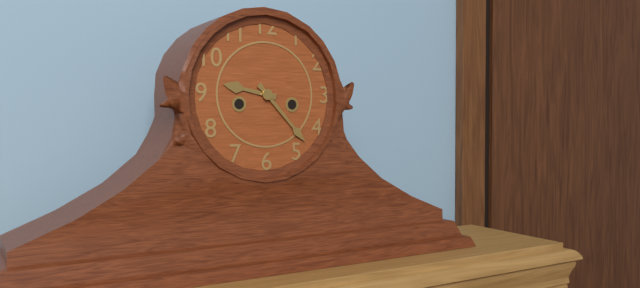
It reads 9,23
